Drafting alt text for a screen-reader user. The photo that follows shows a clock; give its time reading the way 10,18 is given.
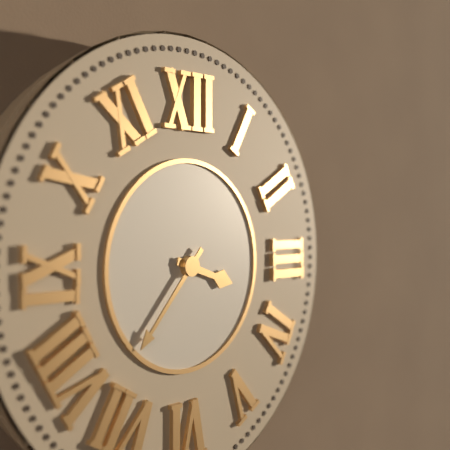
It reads 3,37
